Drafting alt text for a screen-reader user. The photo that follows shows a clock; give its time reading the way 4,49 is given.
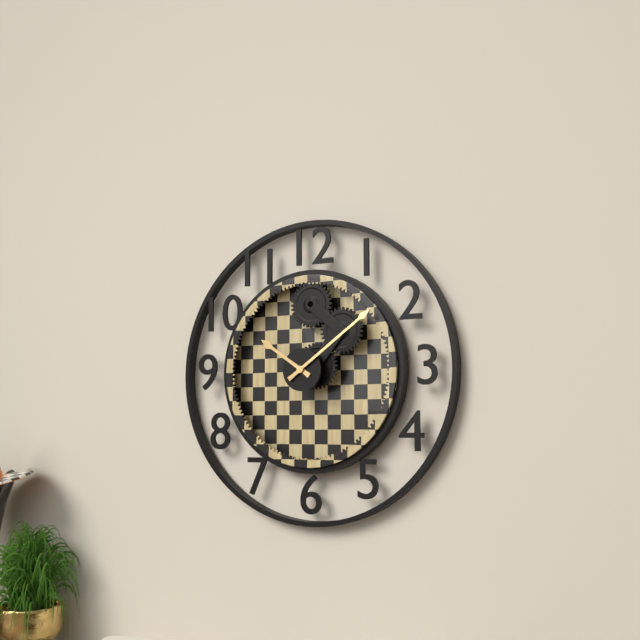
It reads 10,09
